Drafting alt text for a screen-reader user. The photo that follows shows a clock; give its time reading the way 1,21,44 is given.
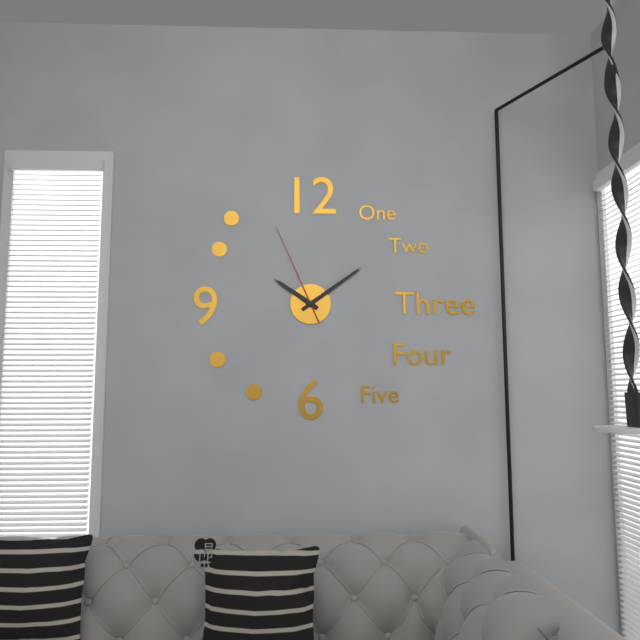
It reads 10,09,56
